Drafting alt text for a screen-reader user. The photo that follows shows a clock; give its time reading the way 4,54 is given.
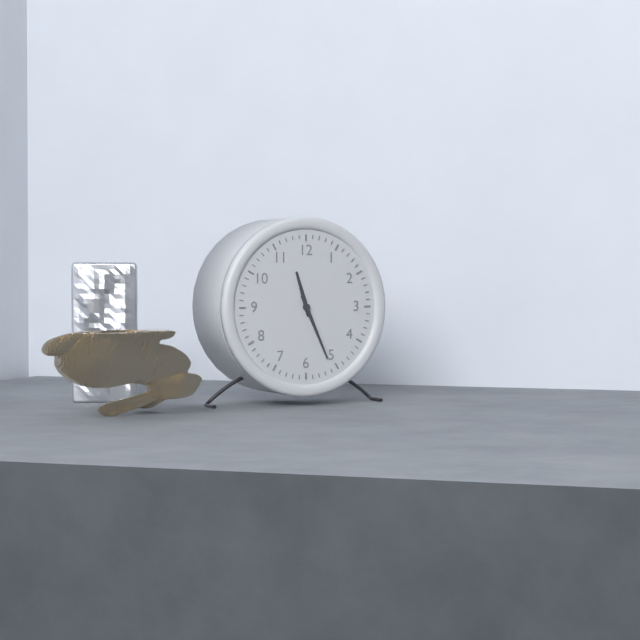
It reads 11,26
